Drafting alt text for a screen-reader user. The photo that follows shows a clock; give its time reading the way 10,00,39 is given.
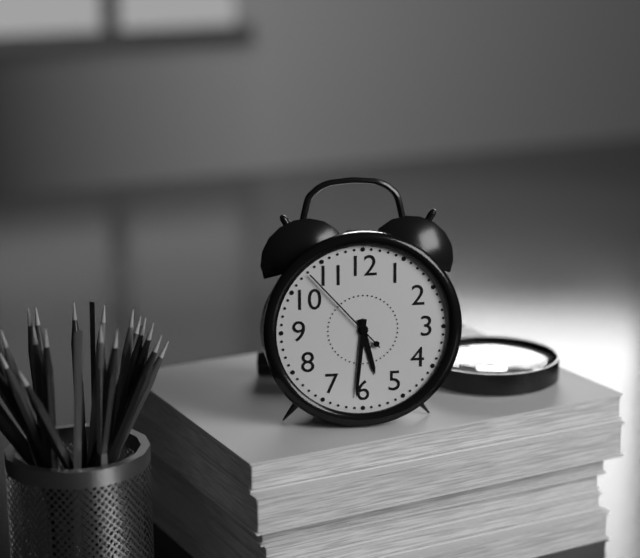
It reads 5,31,53
